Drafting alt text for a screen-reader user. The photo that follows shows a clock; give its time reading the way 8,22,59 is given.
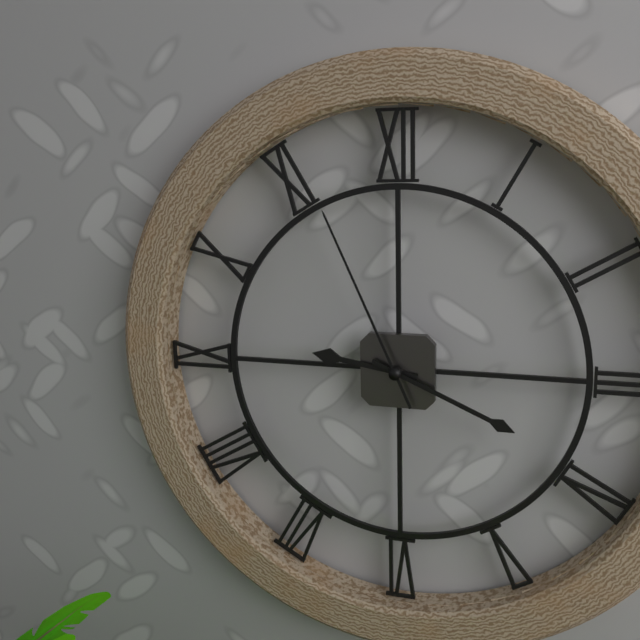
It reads 9,19,56
